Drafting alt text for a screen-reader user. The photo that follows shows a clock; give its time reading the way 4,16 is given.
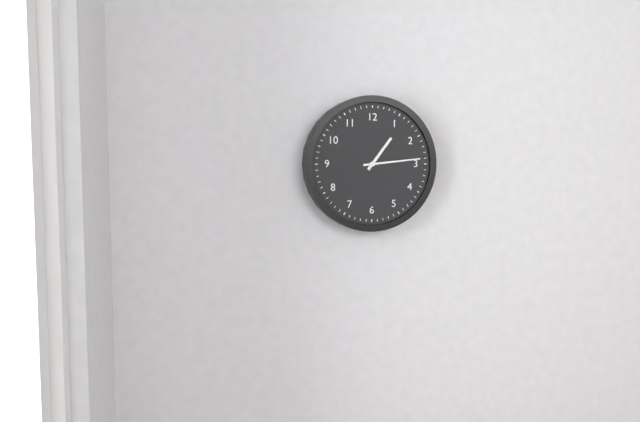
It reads 1,14
